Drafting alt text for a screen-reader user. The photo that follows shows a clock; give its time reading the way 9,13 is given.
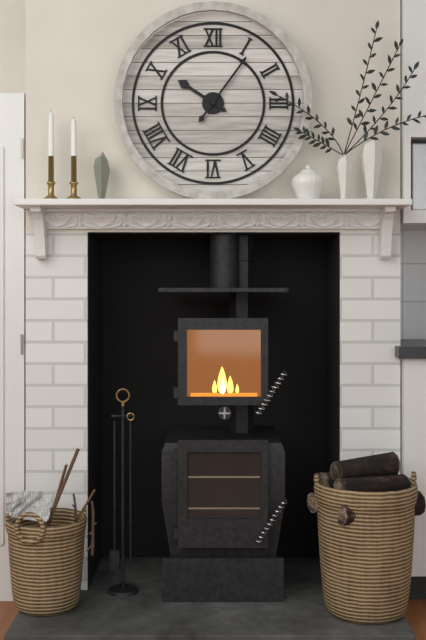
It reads 10,06
